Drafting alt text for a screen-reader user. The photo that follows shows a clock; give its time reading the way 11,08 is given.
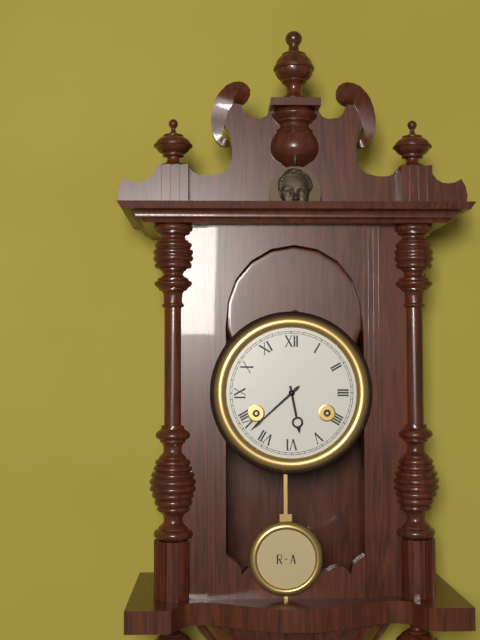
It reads 5,38
